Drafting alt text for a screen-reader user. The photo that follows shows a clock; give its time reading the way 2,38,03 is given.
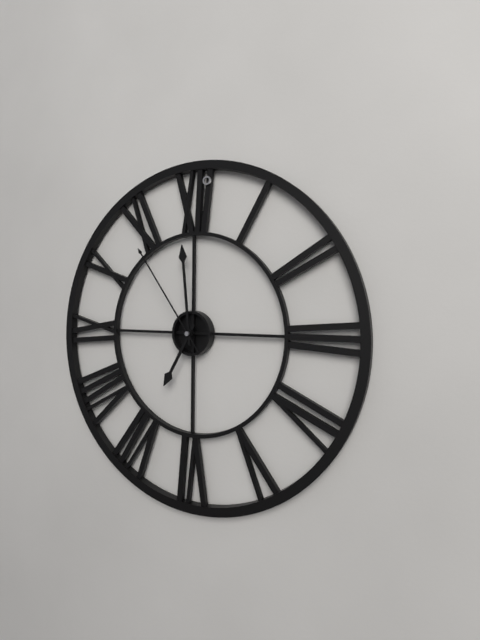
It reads 6,59,54
